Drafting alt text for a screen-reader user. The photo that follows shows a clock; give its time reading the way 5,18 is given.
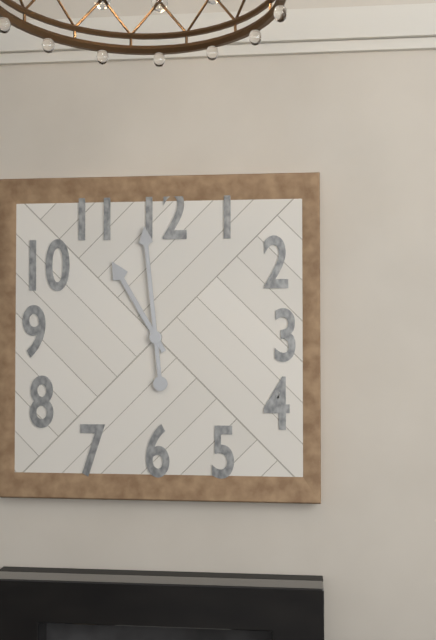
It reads 10,59
